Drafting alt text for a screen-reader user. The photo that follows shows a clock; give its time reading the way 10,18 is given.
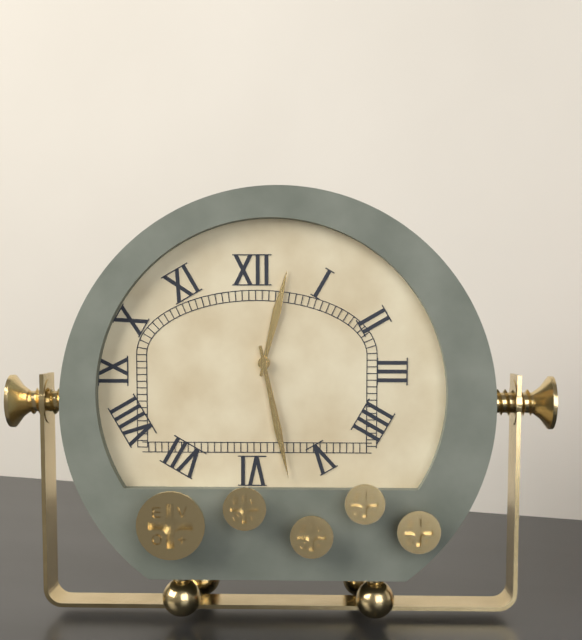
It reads 12,28
